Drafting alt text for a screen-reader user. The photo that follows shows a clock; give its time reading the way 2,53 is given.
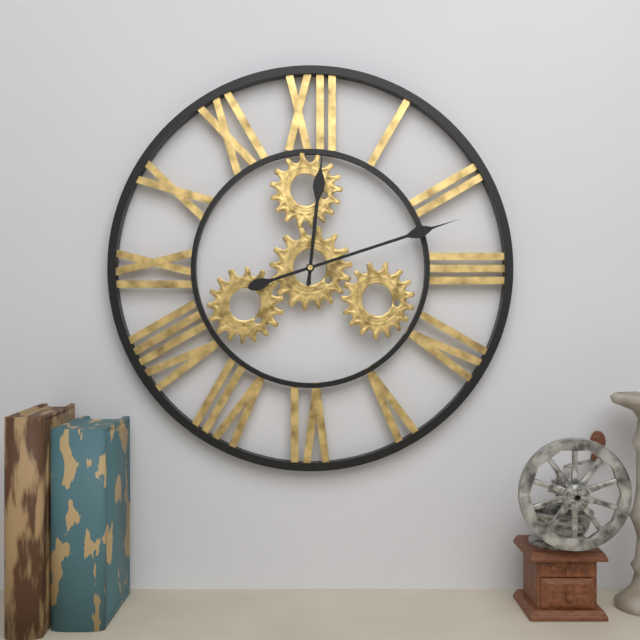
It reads 12,12
